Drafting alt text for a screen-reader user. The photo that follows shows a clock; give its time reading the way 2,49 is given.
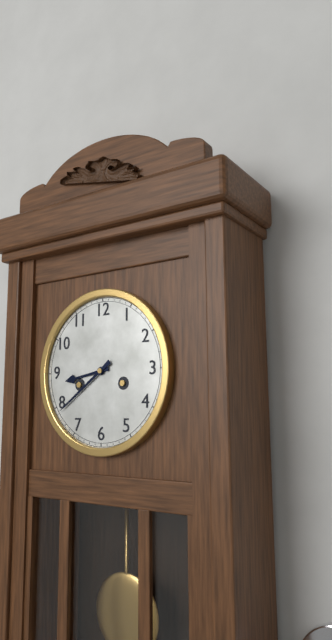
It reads 8,39
